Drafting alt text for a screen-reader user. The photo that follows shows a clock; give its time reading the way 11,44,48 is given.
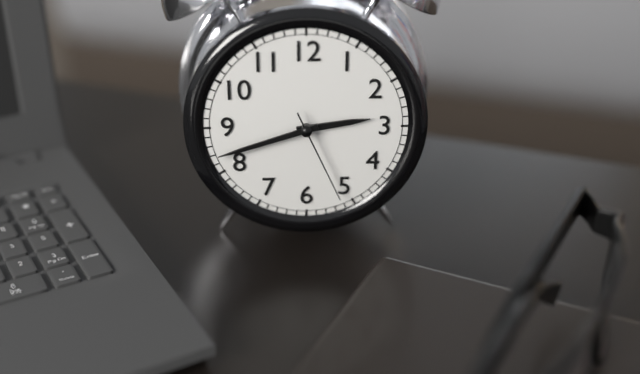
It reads 2,42,26
